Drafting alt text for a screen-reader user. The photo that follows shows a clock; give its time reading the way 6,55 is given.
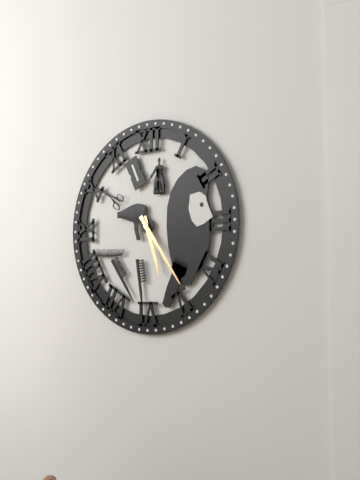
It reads 5,24
